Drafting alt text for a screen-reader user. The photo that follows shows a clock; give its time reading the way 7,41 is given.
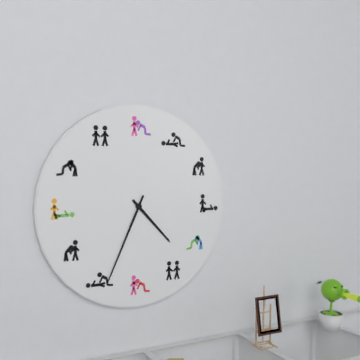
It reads 4,34
